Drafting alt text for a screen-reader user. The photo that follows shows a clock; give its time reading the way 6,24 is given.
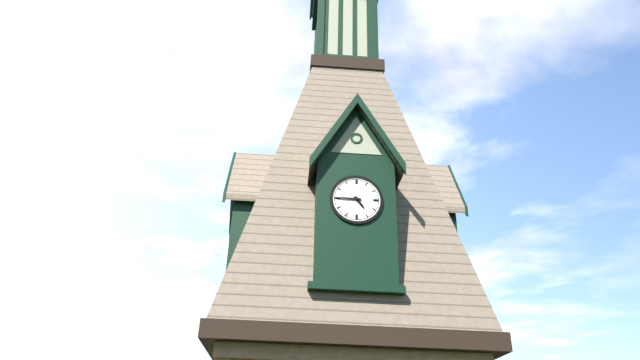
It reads 4,45
